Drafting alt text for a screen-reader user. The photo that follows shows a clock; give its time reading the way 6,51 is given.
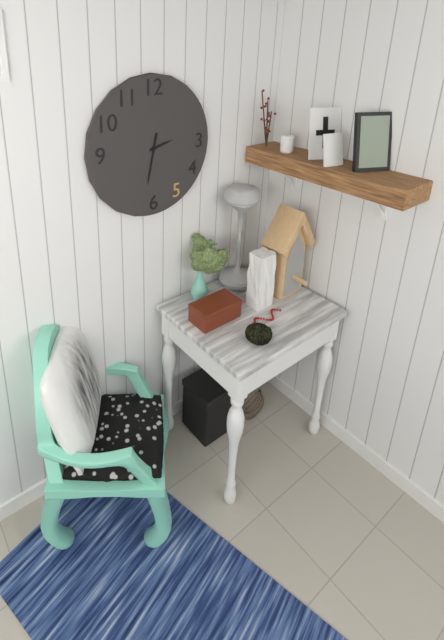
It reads 2,32
